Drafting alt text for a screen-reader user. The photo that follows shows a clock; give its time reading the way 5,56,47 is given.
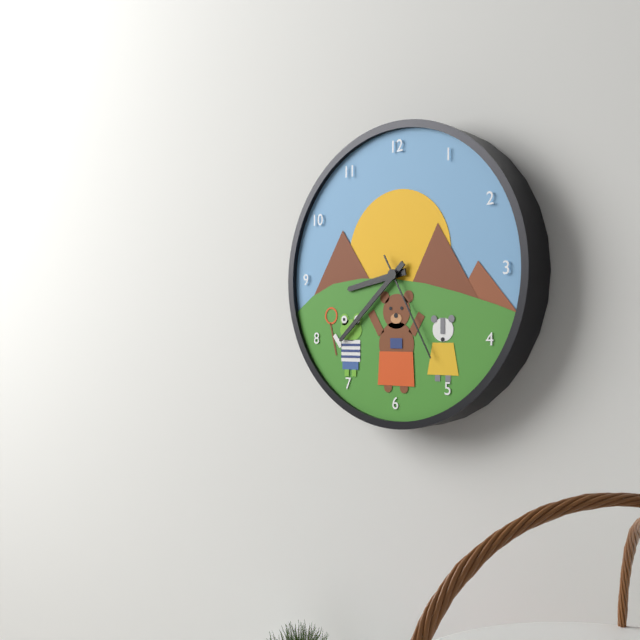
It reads 8,38,25
